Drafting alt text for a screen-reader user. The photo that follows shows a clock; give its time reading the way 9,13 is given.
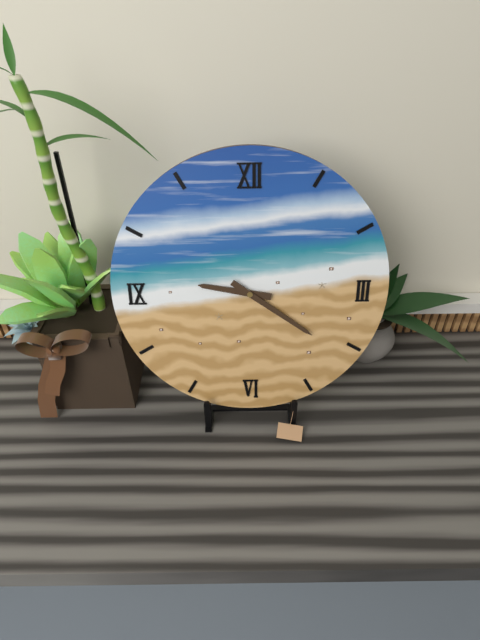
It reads 9,21
